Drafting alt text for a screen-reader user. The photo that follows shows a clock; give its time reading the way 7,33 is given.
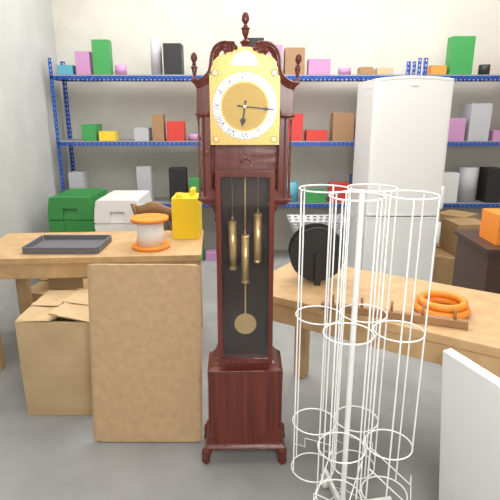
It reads 6,16
